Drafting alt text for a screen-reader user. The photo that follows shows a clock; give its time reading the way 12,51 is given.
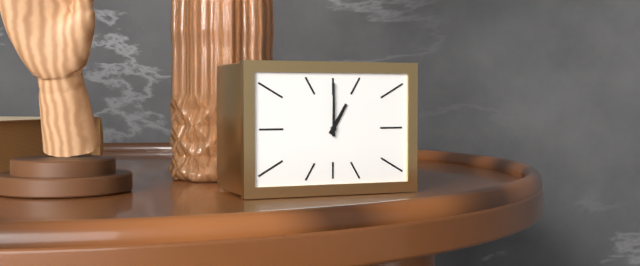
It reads 1,00
